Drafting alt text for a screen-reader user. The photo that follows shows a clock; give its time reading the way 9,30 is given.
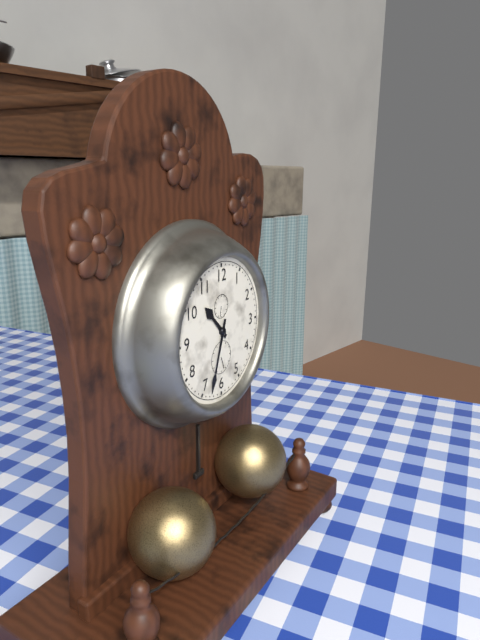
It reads 10,33
